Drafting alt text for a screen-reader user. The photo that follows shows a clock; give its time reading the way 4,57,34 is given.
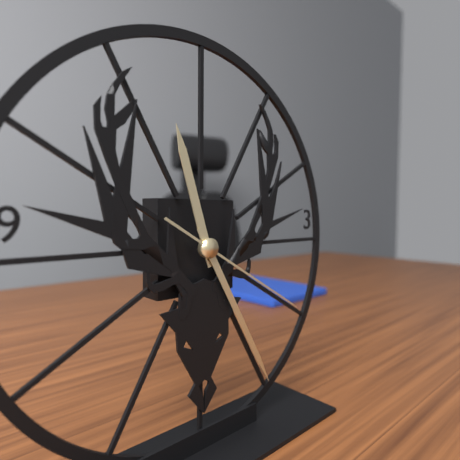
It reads 11,25,20
